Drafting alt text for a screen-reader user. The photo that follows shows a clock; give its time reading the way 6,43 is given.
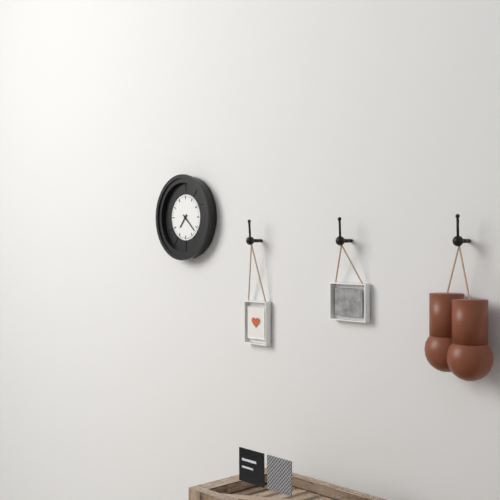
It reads 7,22
